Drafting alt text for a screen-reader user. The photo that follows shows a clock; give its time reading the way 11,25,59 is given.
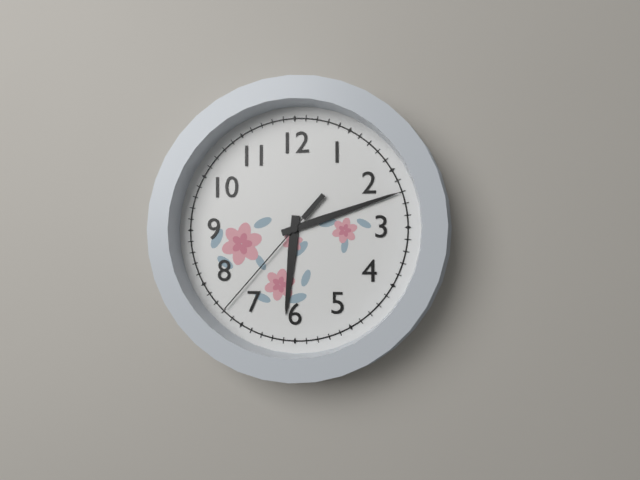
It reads 6,12,37
